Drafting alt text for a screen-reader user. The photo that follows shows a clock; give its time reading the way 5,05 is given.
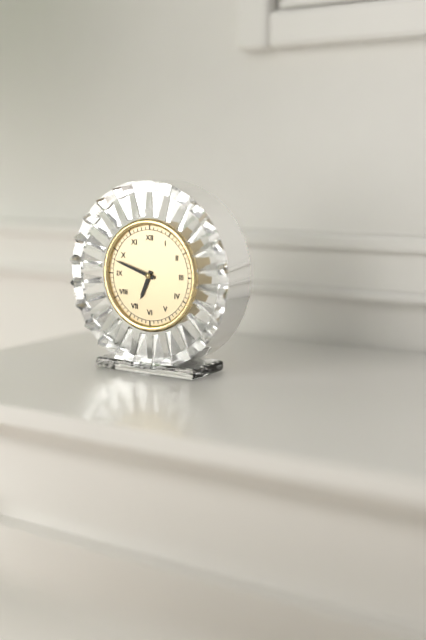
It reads 6,48
